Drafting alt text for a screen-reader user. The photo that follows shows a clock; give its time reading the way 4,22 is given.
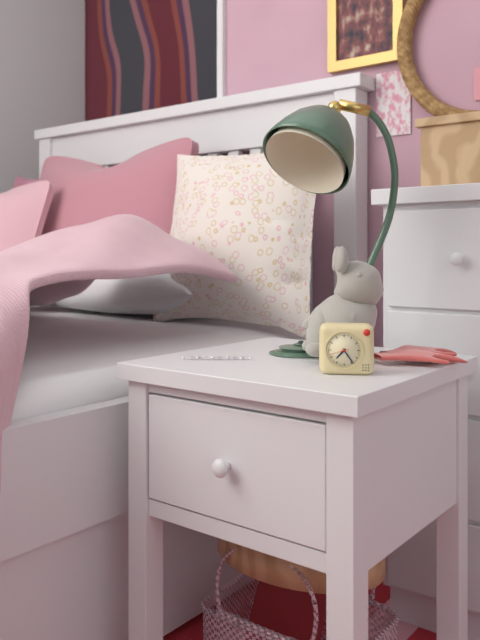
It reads 7,24
